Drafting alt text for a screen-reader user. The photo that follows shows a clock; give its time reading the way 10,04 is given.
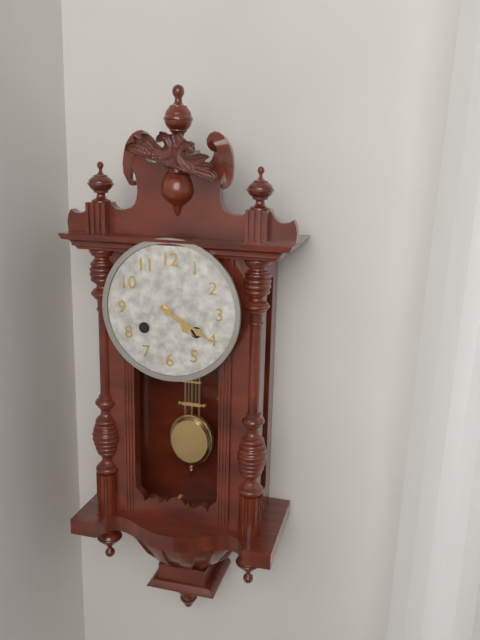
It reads 4,20
